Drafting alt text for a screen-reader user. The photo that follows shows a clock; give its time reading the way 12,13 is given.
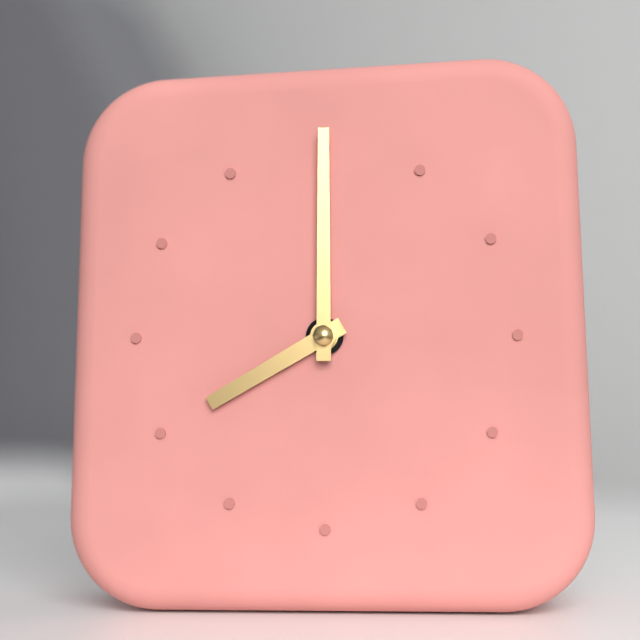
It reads 8,00
